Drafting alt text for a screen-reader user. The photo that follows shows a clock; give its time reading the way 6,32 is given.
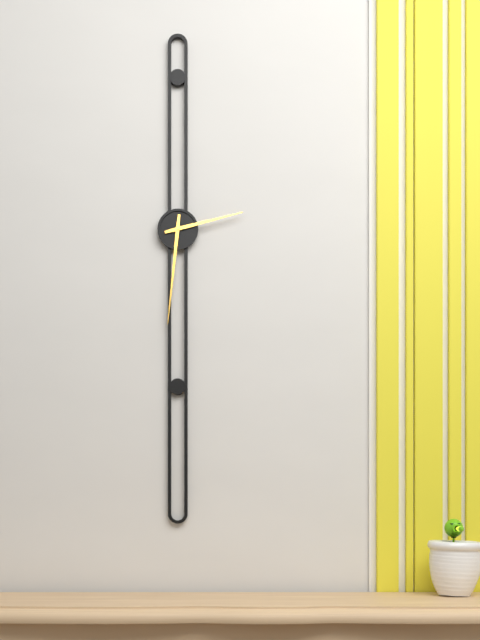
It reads 2,31
